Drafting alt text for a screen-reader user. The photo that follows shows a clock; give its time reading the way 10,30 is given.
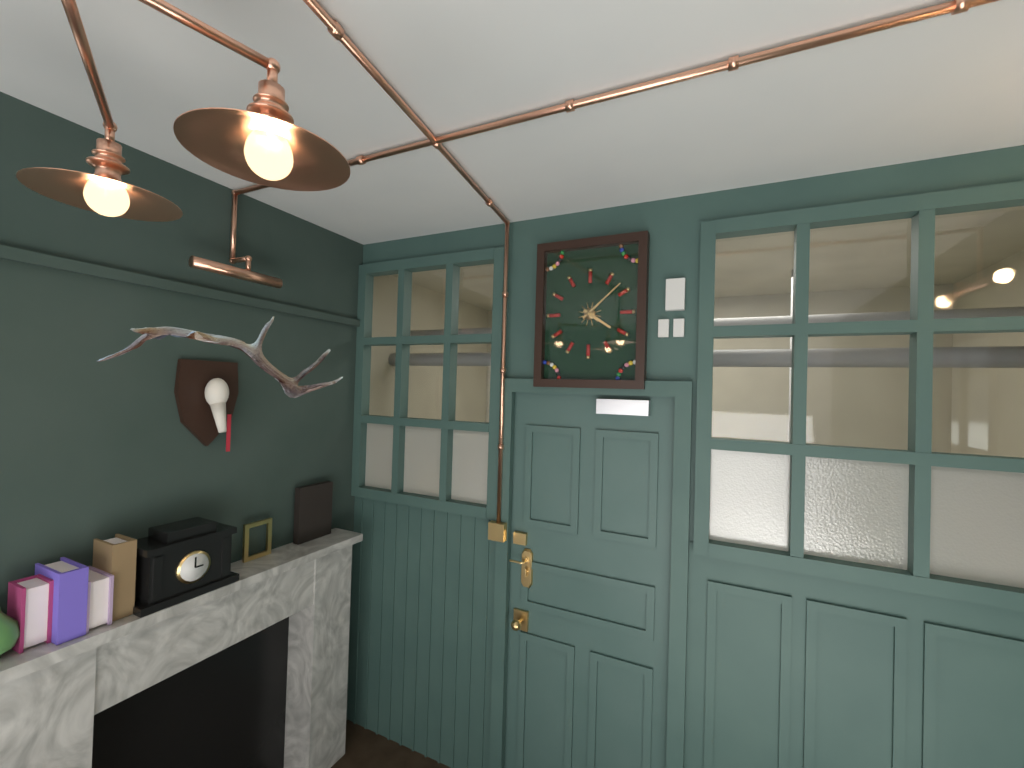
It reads 4,08
